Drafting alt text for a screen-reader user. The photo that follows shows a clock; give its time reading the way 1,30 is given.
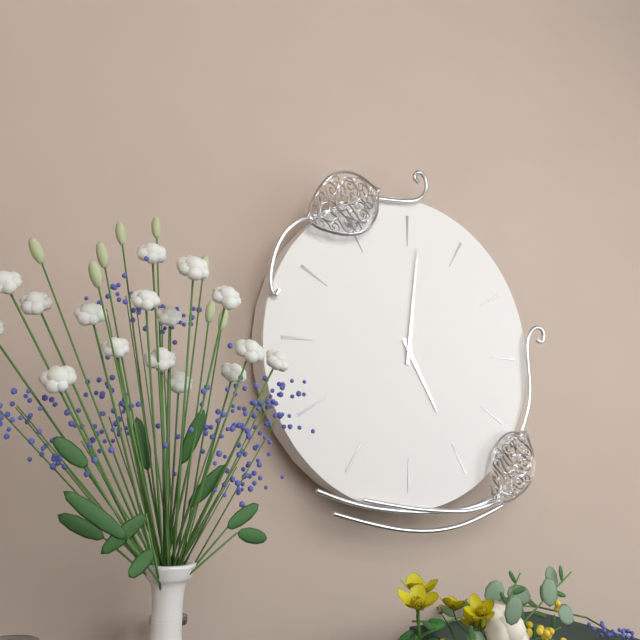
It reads 5,01
